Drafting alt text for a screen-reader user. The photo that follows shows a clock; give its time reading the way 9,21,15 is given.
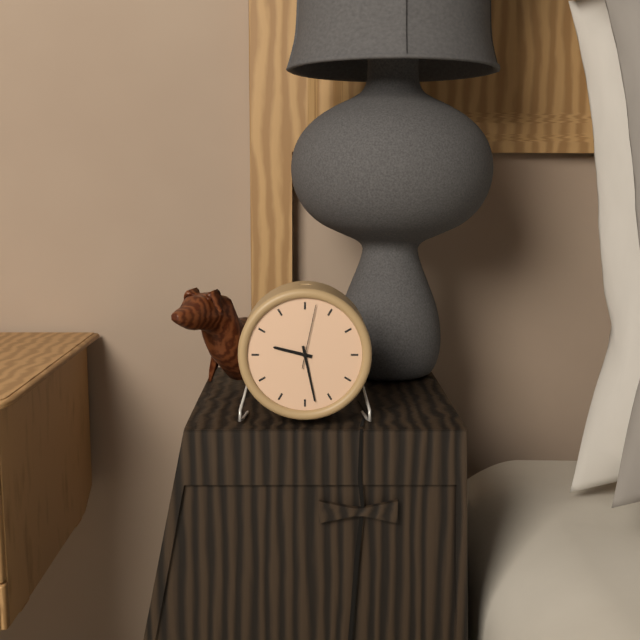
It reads 9,28,02
